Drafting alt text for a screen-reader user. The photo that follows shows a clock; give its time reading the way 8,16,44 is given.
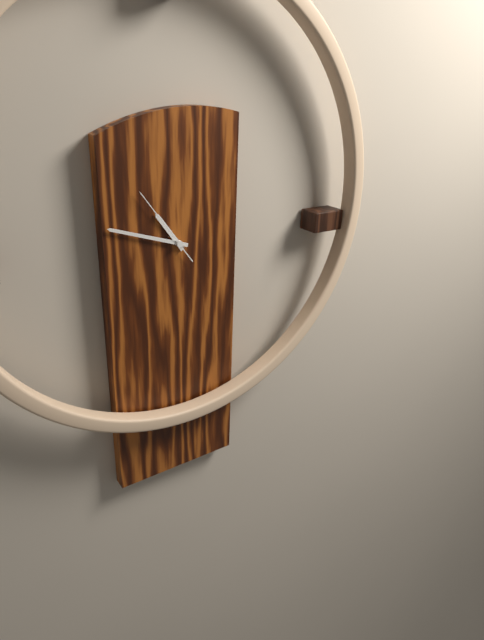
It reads 10,48,54
